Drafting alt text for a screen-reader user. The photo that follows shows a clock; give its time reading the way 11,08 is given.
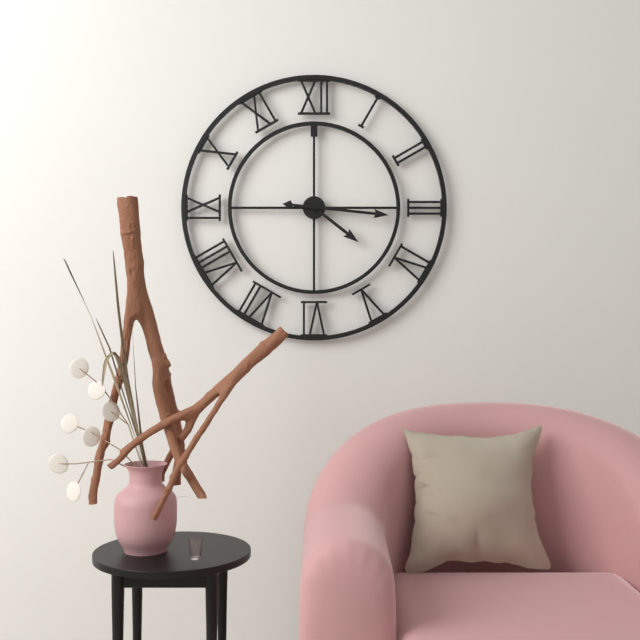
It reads 4,16
